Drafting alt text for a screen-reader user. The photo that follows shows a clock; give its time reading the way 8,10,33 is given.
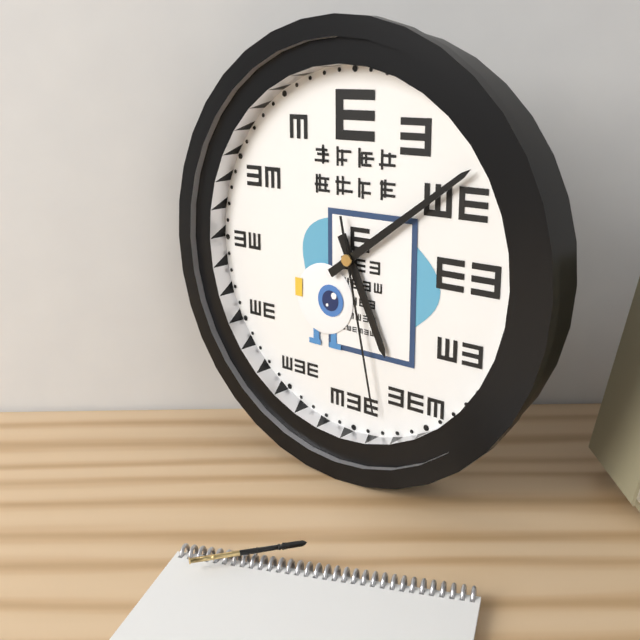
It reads 5,09,28
